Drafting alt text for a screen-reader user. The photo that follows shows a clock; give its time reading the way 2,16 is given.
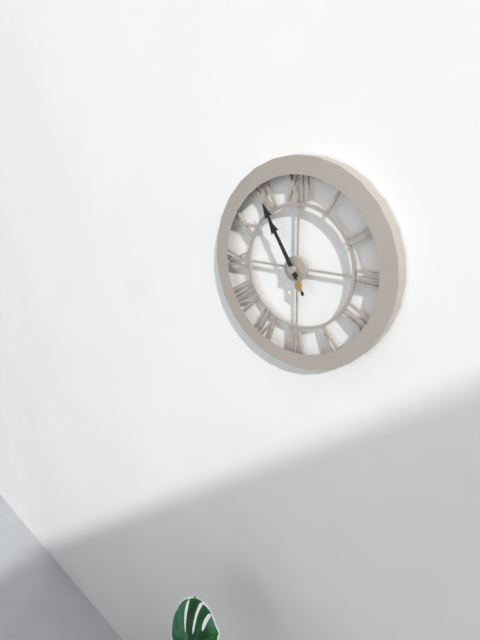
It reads 10,55
